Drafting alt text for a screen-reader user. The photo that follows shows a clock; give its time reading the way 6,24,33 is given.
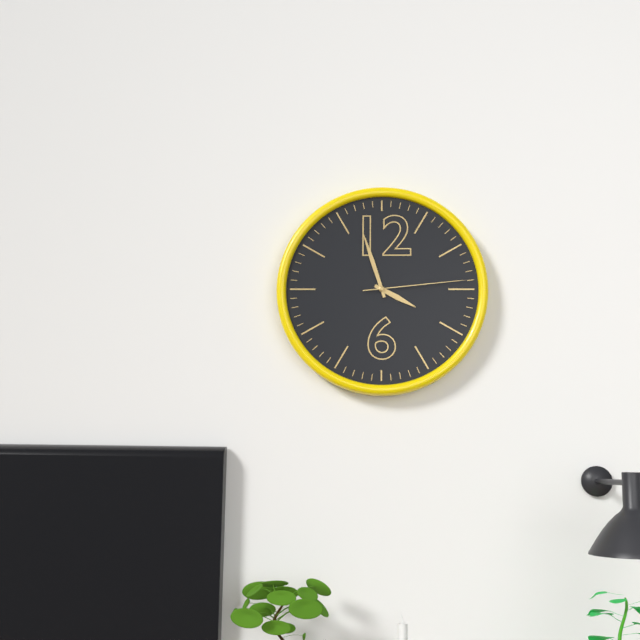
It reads 3,57,14
